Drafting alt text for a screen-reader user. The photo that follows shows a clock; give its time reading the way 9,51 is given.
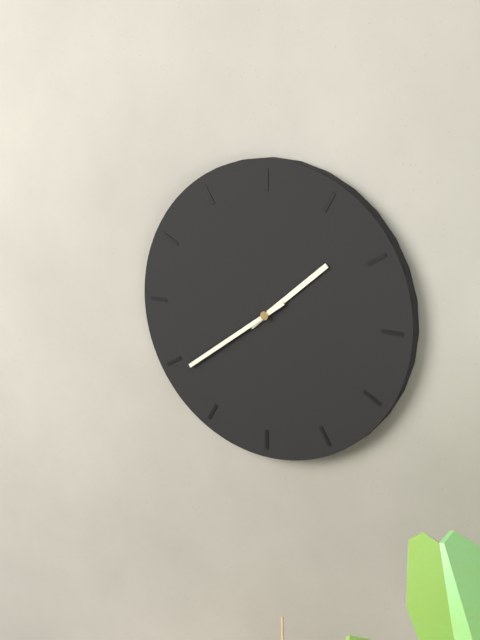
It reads 1,39
